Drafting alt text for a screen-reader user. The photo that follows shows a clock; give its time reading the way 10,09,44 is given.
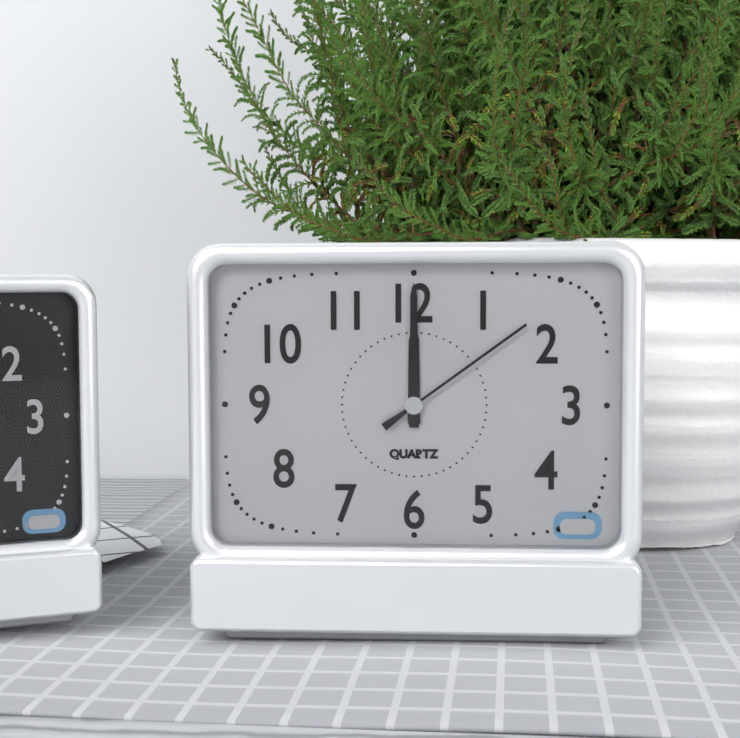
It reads 12,00,09
